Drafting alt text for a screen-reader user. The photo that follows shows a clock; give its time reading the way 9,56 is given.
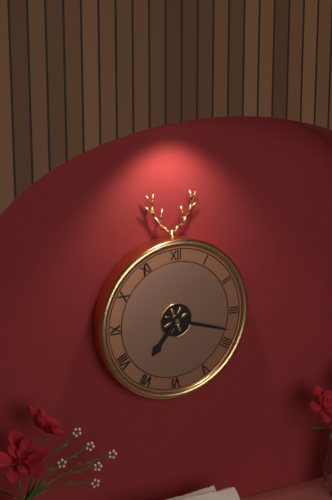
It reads 7,18
